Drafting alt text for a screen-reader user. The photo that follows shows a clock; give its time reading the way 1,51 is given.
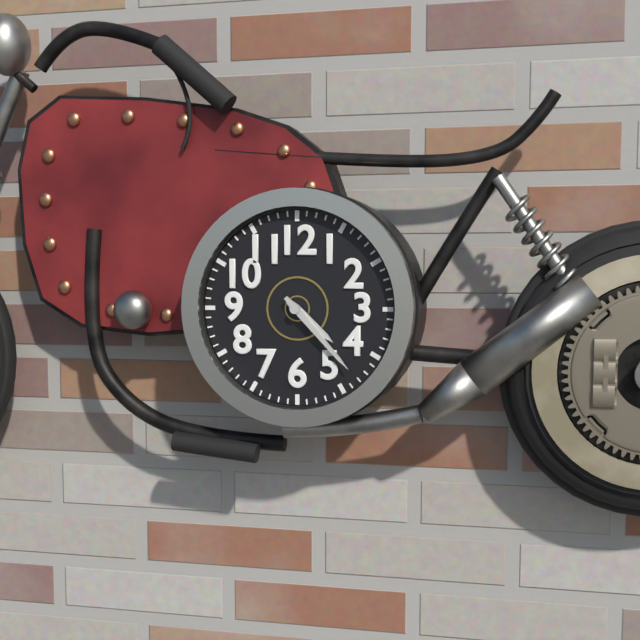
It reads 4,23
